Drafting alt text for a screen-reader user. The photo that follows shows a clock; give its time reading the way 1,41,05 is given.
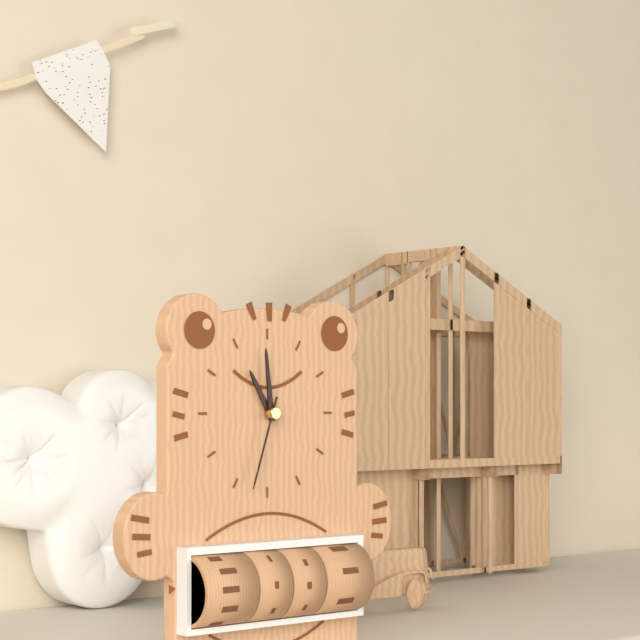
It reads 10,59,33
